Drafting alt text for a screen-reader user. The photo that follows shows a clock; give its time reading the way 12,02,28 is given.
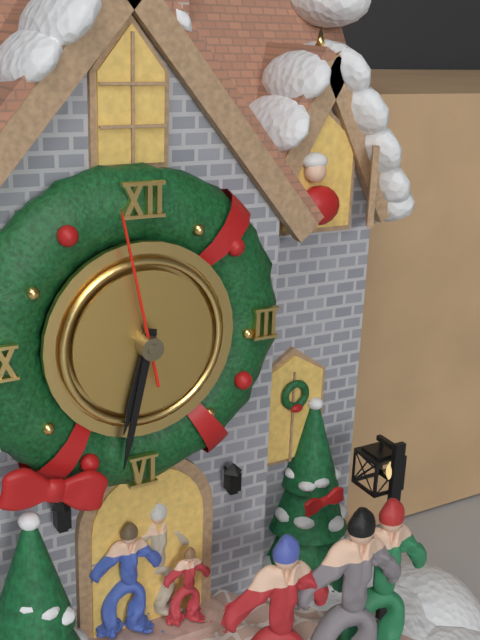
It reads 6,32,58
